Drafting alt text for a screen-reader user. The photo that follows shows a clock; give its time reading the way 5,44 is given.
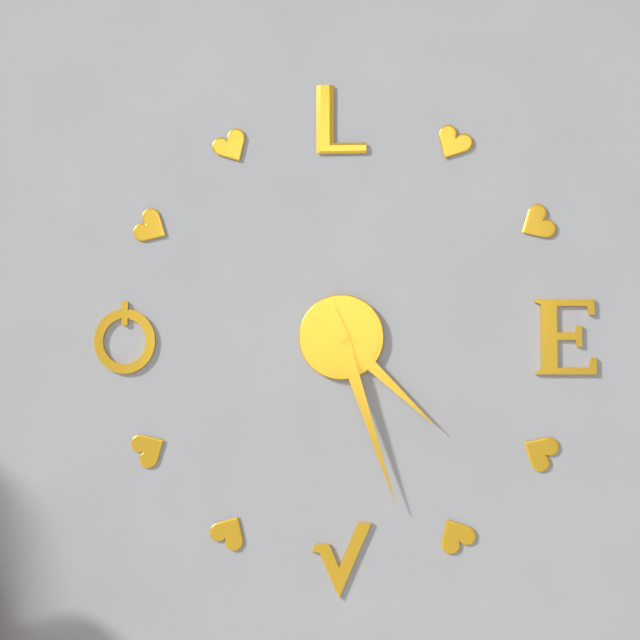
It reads 4,27
